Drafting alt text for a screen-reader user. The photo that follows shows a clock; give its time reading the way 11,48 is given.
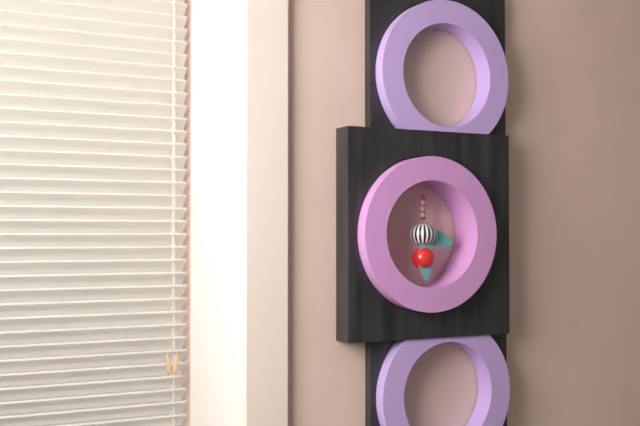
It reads 3,30
